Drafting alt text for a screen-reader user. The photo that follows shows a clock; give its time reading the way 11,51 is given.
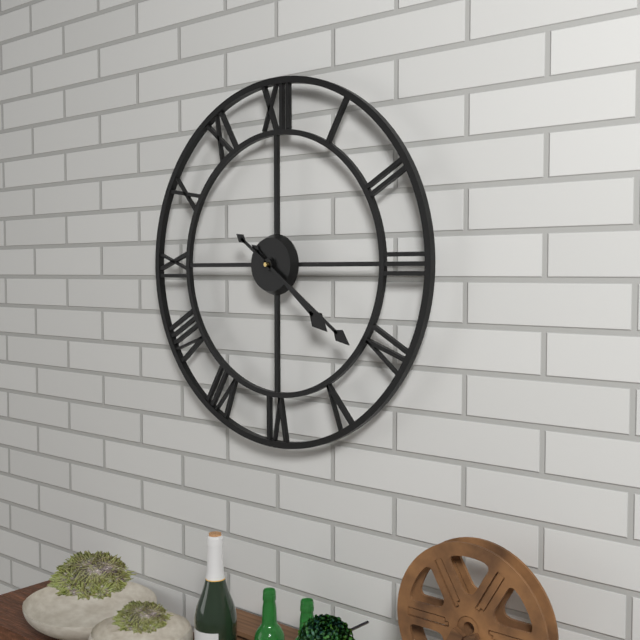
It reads 4,21
